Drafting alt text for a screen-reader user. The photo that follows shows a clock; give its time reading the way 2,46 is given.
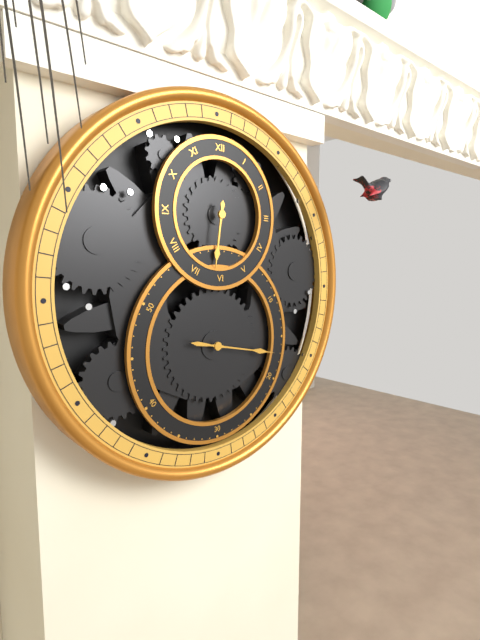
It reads 6,17
